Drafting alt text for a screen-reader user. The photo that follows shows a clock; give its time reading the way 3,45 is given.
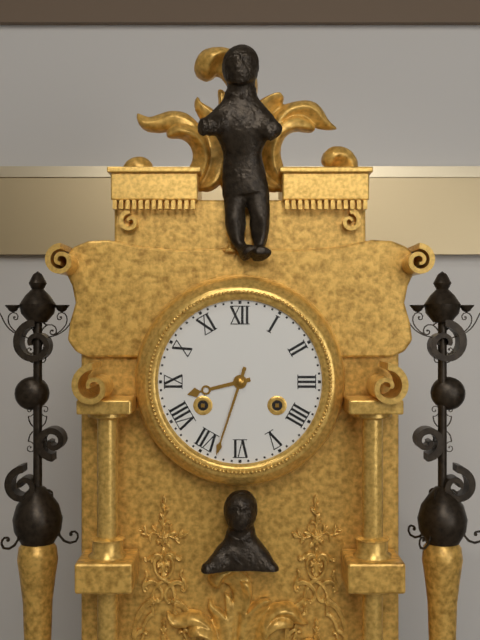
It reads 8,33
